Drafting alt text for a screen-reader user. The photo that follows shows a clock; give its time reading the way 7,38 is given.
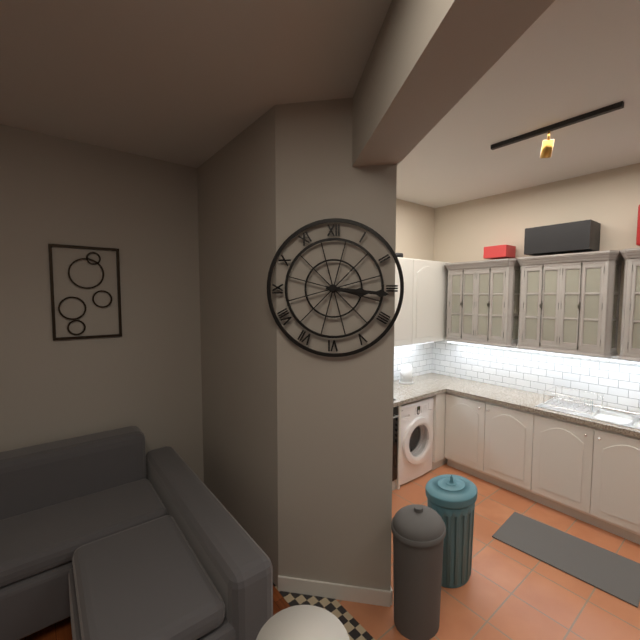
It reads 3,16
